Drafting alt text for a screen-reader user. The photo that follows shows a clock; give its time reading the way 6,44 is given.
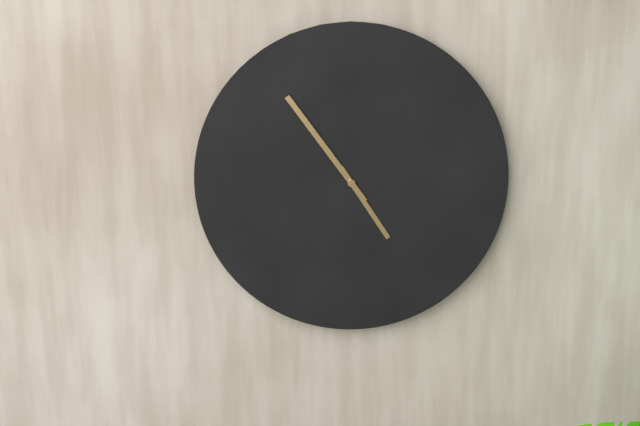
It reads 4,54
